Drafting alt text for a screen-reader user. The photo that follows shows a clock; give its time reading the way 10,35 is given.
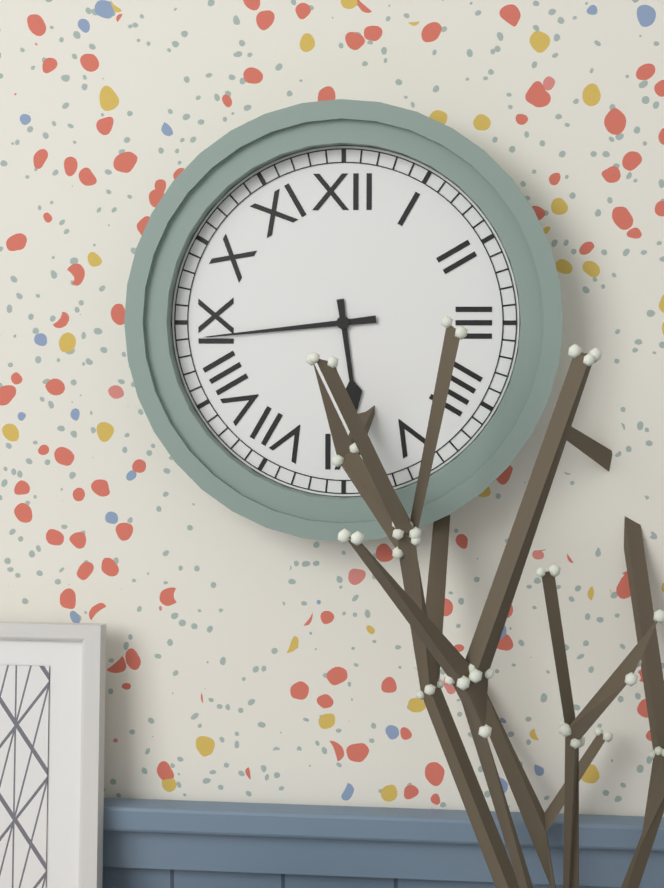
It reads 5,44
